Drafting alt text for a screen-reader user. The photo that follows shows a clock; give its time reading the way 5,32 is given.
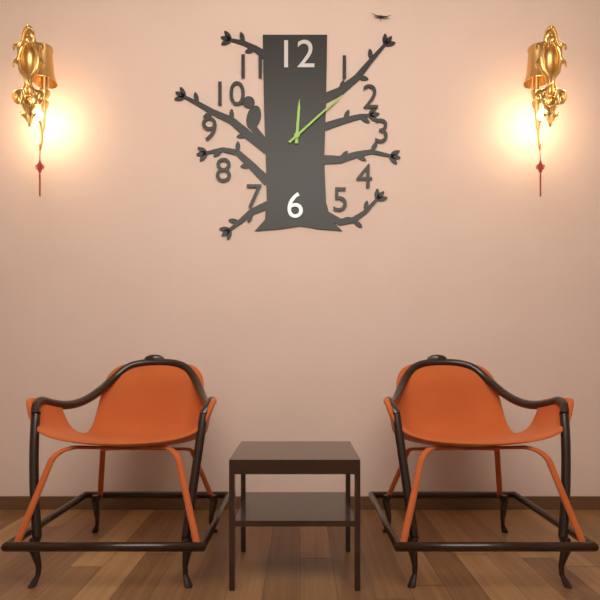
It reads 12,08
